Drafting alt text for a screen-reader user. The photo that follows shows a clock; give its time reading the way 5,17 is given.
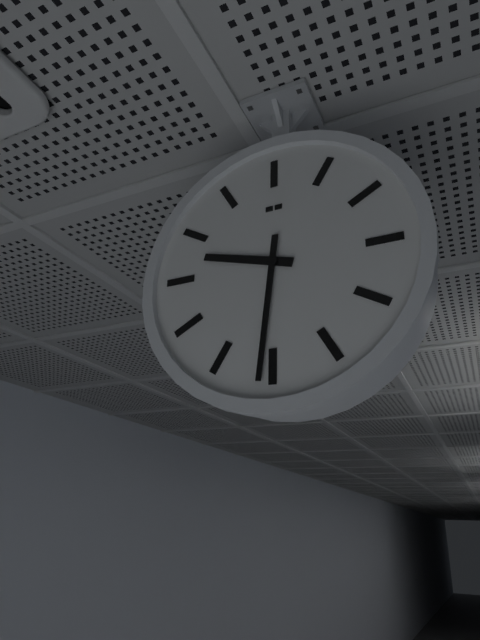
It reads 9,31
